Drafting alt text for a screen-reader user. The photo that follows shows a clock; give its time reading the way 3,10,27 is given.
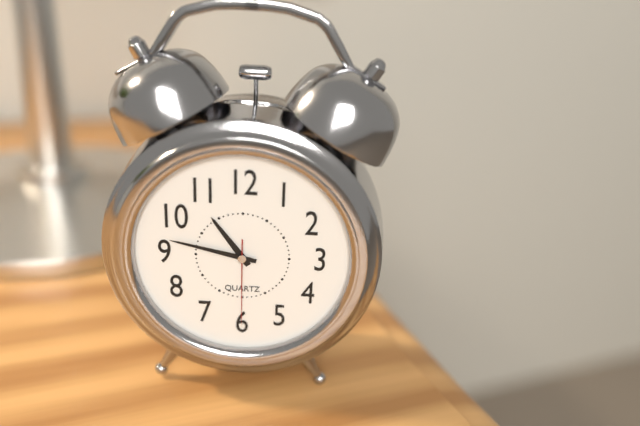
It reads 10,47,30
